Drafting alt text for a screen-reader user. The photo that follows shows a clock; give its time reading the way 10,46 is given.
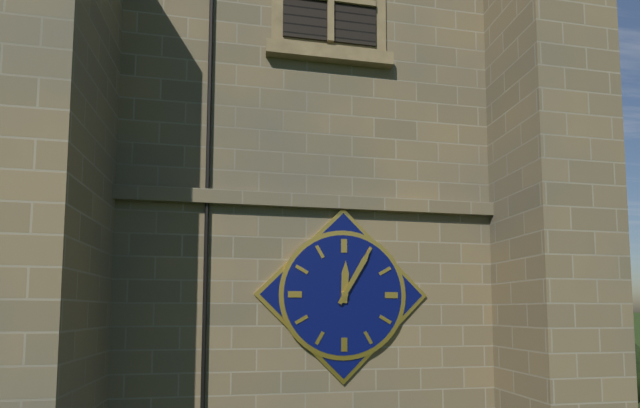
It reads 12,05
